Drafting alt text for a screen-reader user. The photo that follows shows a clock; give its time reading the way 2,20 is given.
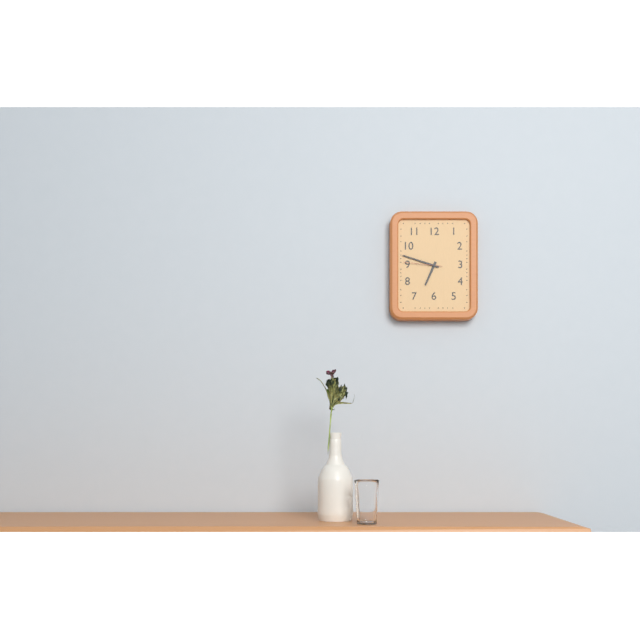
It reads 6,48
